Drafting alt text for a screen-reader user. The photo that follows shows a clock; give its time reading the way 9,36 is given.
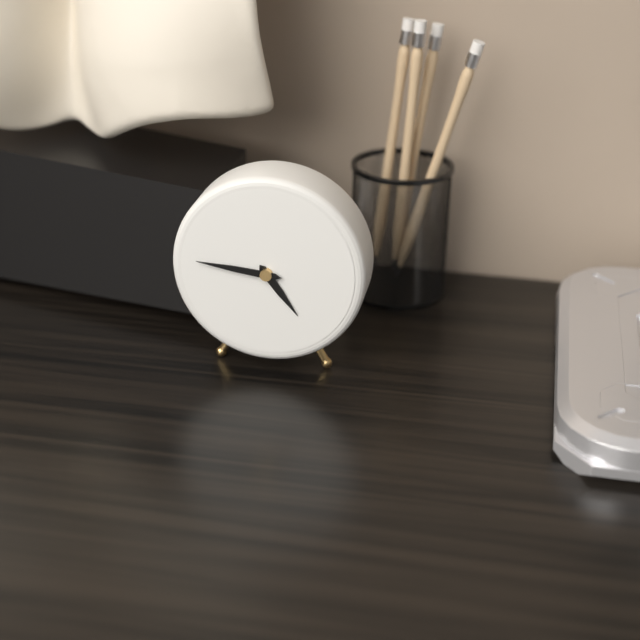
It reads 4,46
